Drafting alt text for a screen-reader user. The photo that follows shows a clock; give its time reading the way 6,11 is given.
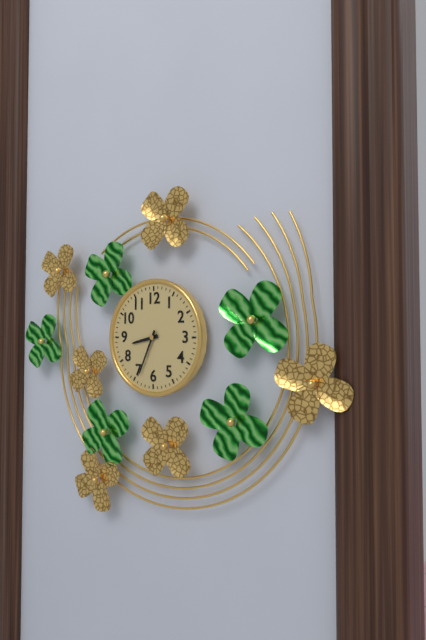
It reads 8,34
